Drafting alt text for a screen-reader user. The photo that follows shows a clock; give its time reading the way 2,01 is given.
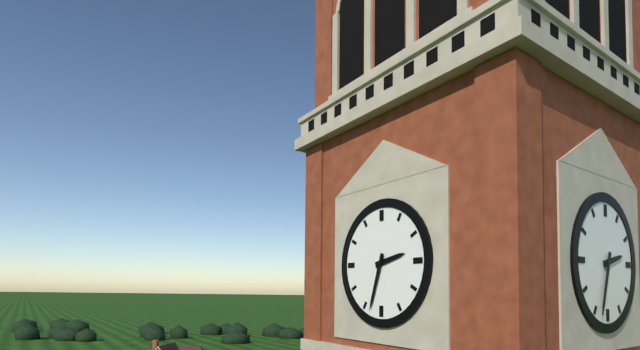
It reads 2,33
